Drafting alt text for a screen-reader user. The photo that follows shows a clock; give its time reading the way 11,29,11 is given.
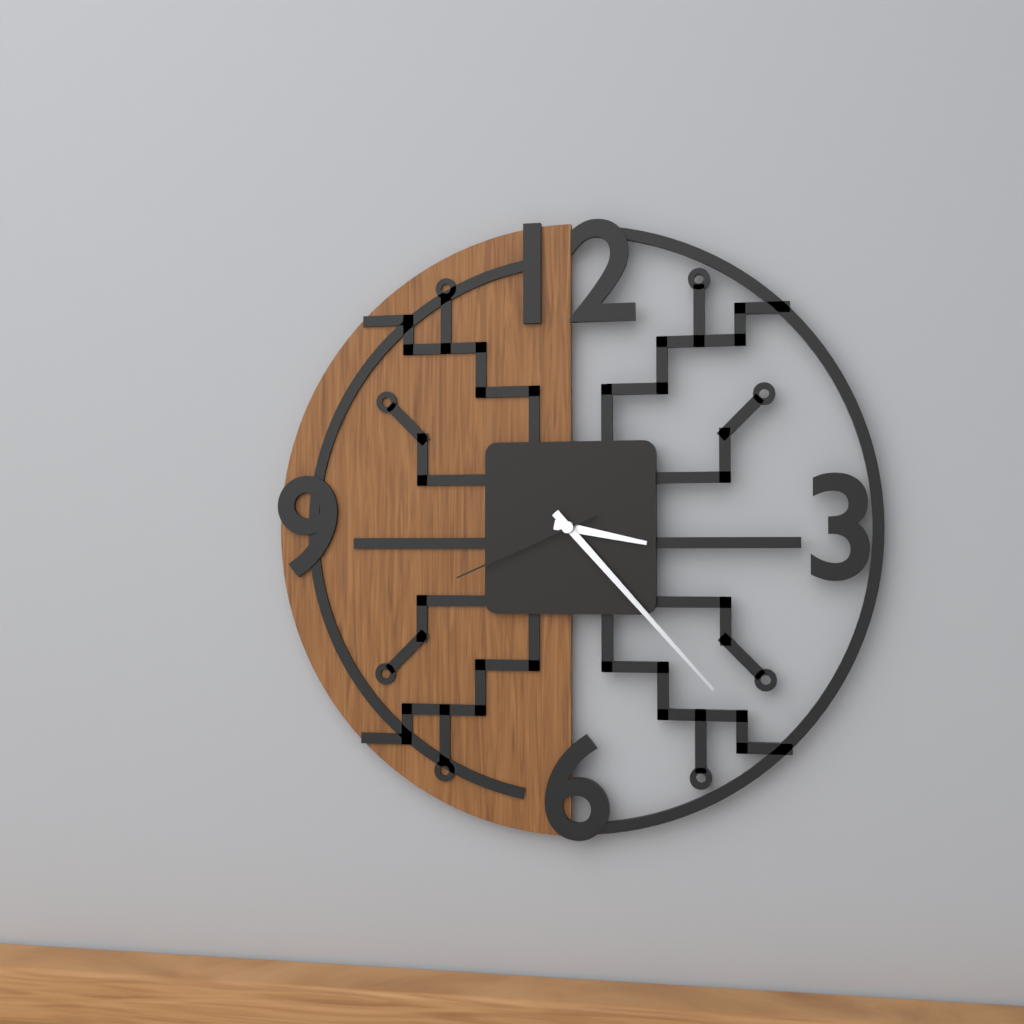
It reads 3,23,41
